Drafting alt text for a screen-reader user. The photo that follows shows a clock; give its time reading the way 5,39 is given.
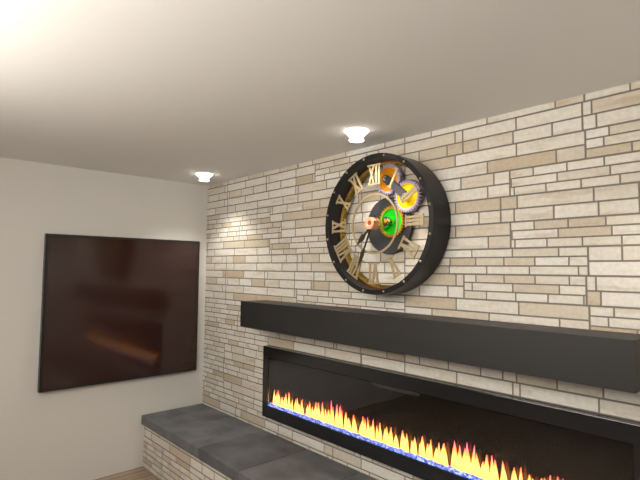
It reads 7,34
